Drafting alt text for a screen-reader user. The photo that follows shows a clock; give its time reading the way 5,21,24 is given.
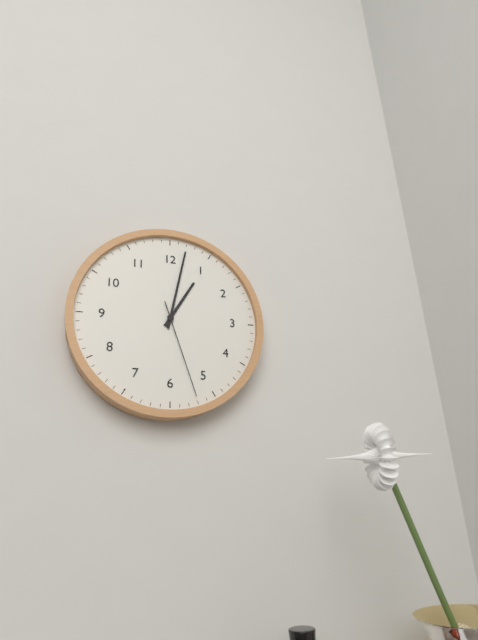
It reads 1,02,27
